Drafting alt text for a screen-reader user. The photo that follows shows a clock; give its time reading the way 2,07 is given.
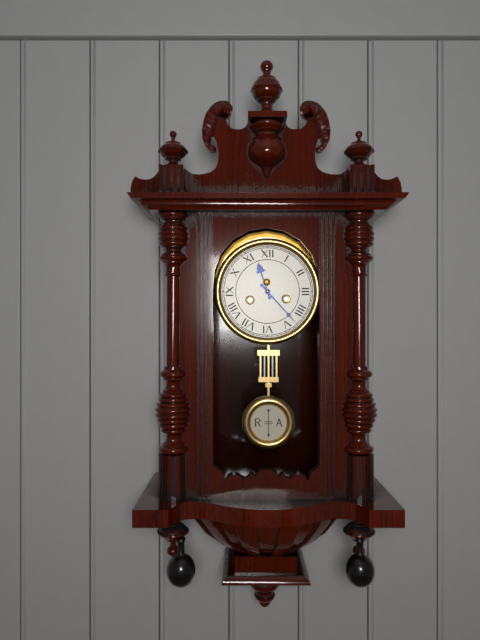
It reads 11,23
